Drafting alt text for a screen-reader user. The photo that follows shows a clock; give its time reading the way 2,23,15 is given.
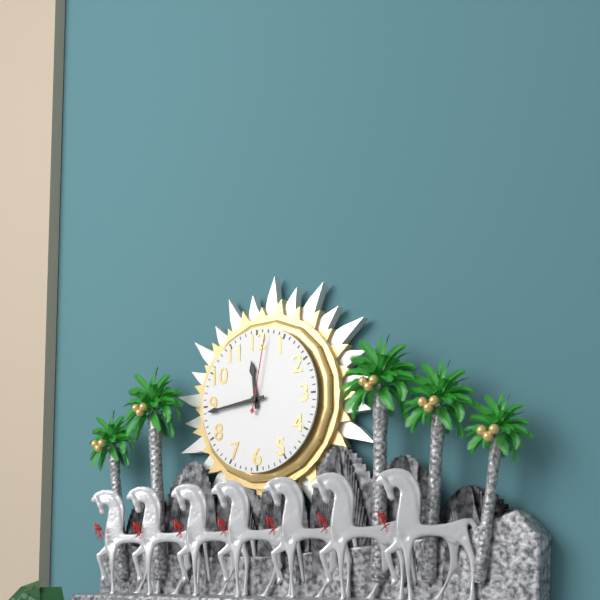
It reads 11,44,02
